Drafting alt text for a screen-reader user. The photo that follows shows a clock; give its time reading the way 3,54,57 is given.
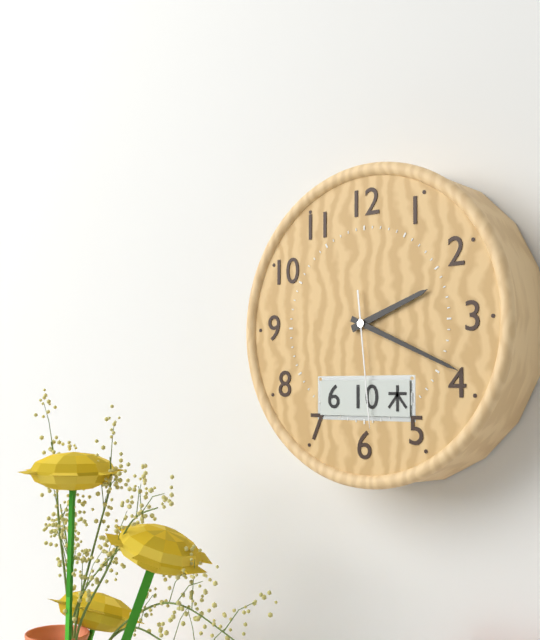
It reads 2,19,29
